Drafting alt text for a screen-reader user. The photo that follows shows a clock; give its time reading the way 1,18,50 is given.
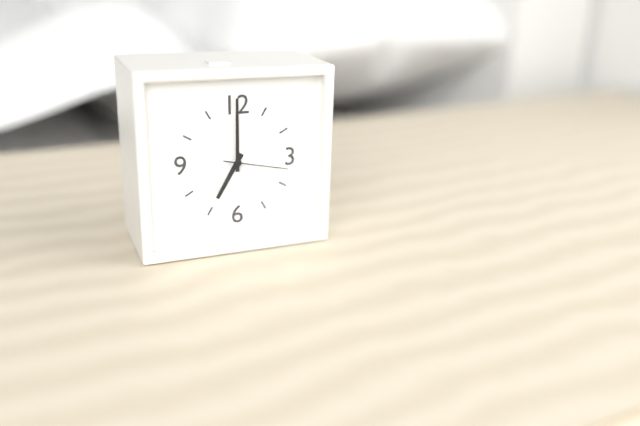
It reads 7,00,17
